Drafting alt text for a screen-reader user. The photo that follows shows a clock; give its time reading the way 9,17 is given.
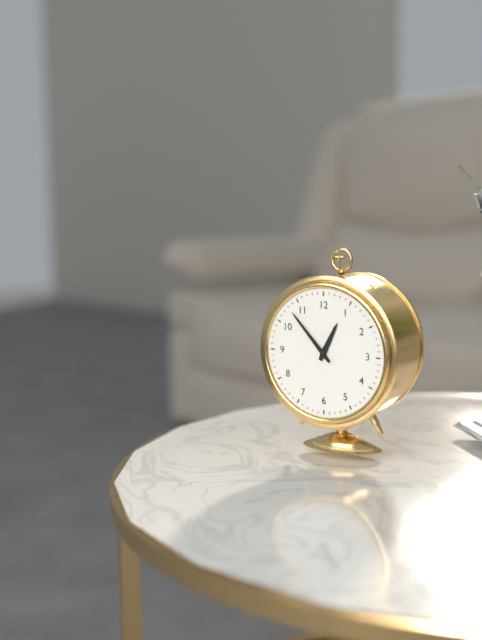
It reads 12,53
